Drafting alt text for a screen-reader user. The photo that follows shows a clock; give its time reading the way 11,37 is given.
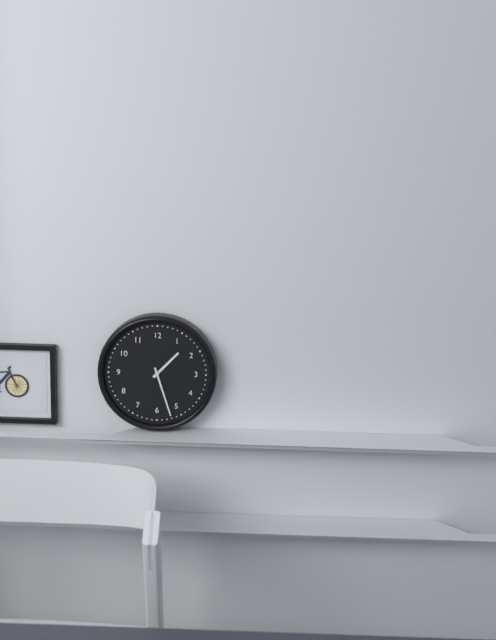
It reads 1,27
